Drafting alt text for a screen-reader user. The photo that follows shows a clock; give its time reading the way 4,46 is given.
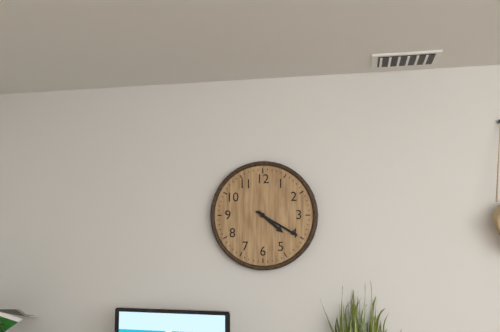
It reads 4,20
